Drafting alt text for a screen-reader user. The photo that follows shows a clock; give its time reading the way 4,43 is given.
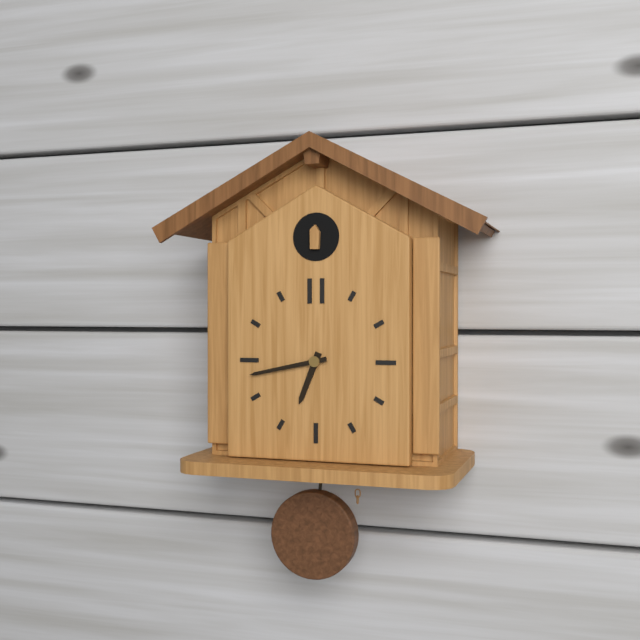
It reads 6,43
